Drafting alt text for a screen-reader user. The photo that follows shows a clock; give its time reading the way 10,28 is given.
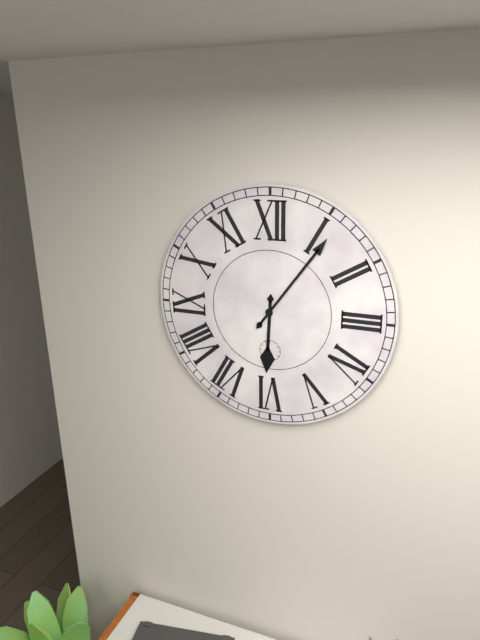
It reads 6,06
